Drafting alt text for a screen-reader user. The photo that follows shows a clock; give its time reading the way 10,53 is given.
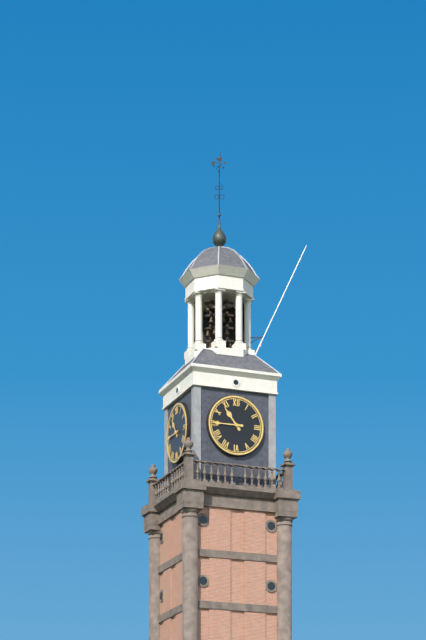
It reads 10,45
